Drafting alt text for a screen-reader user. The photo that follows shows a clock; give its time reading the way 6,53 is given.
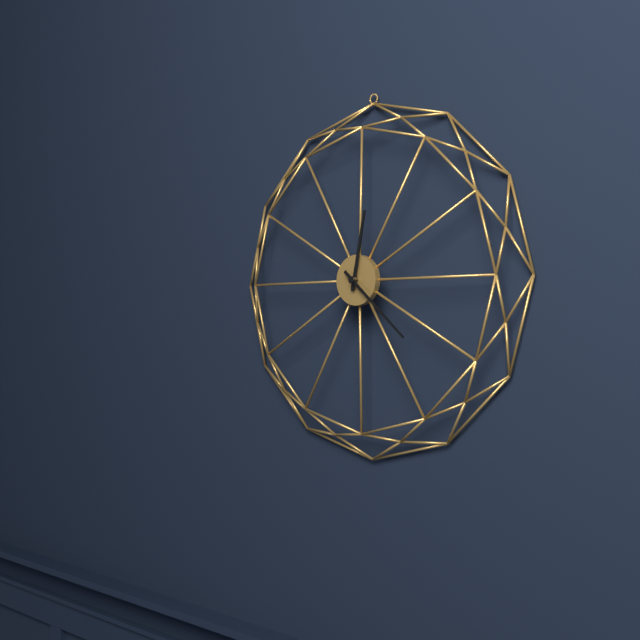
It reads 12,22
